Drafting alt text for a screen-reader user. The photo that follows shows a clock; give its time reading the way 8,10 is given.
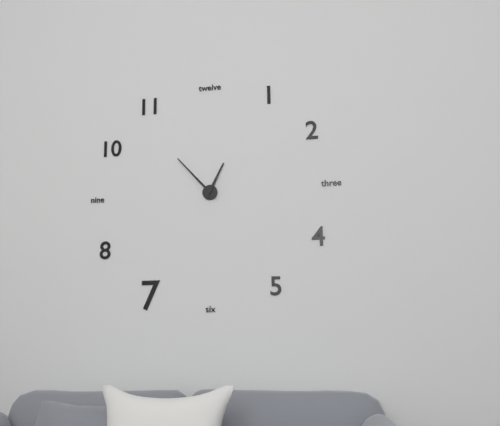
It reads 12,53
